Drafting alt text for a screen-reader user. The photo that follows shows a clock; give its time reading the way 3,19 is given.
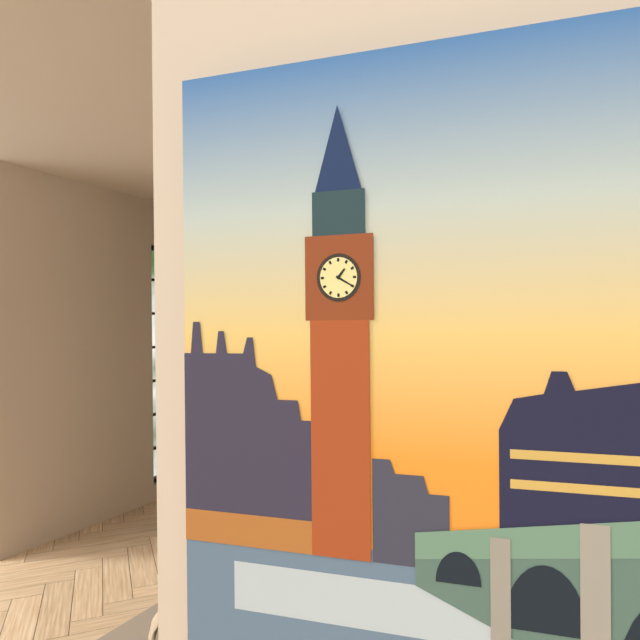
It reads 1,20
